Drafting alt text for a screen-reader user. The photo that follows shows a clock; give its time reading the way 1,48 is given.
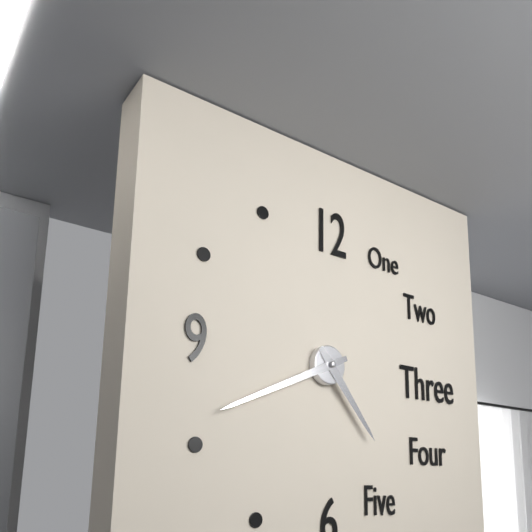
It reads 4,41
